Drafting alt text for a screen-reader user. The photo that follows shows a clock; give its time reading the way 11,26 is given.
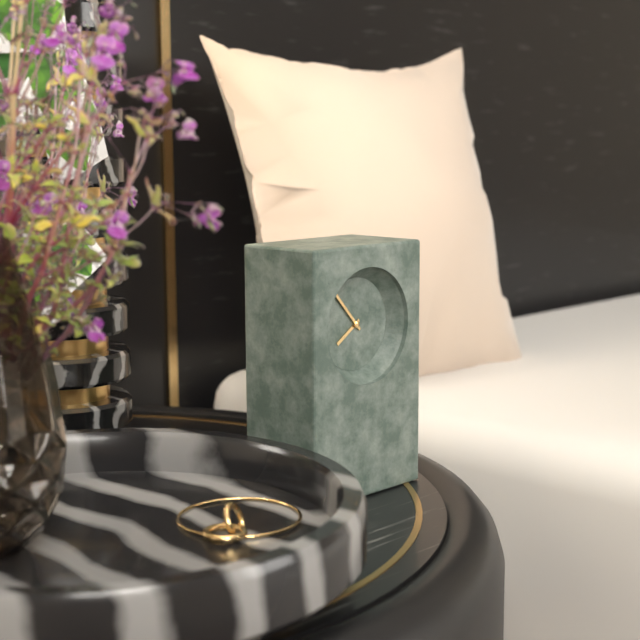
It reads 7,53
